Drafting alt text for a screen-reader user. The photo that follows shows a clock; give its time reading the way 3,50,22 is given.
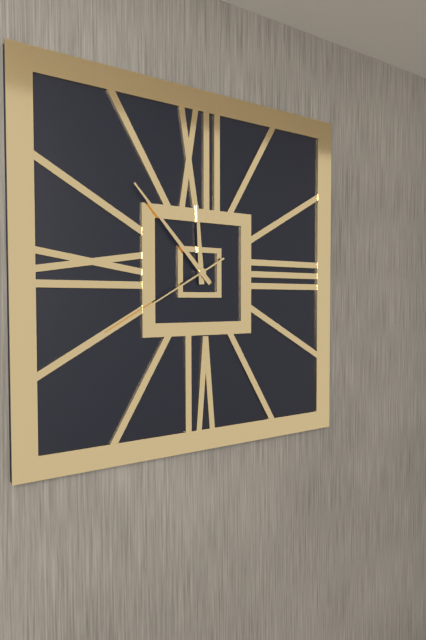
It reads 11,53,40
